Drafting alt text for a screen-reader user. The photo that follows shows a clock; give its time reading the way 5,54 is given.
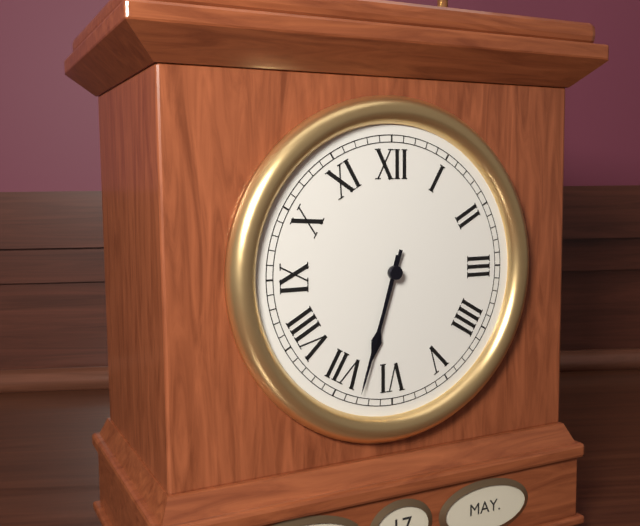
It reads 6,33
